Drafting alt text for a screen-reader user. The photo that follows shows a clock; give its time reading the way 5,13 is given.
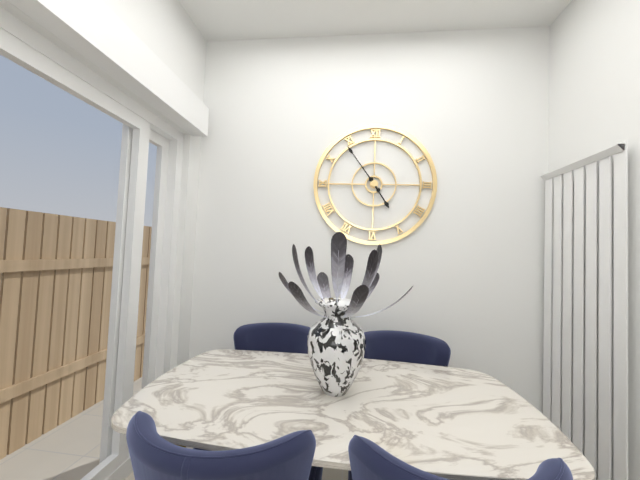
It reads 4,54
